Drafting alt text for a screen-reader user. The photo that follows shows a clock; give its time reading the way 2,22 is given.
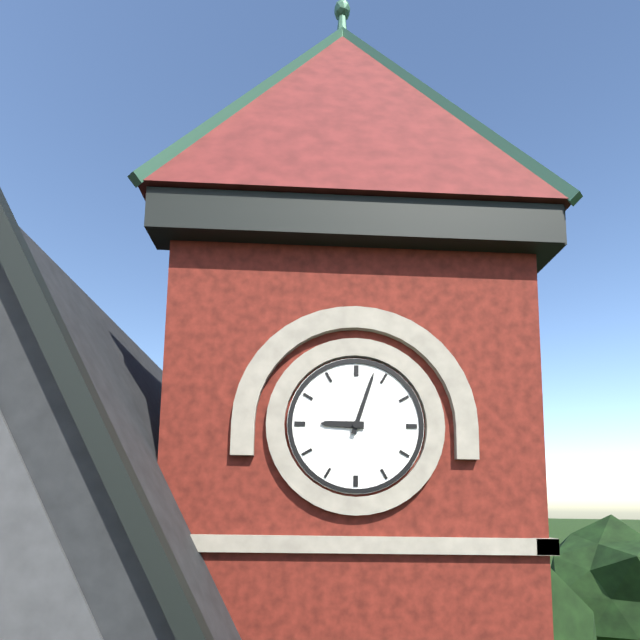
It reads 9,03
